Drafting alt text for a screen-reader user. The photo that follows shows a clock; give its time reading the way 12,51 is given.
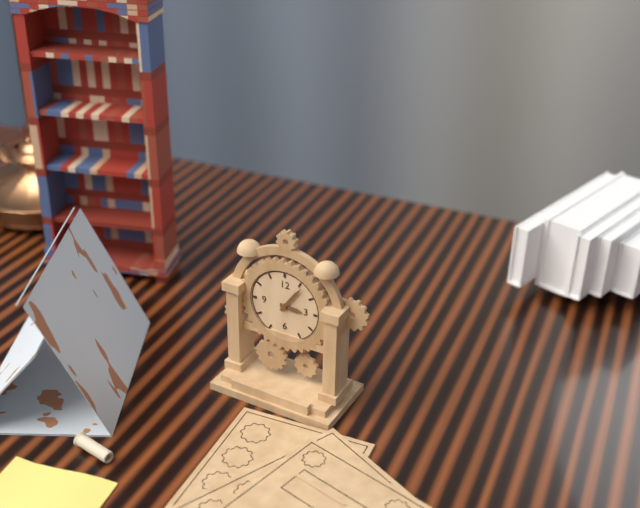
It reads 3,06
